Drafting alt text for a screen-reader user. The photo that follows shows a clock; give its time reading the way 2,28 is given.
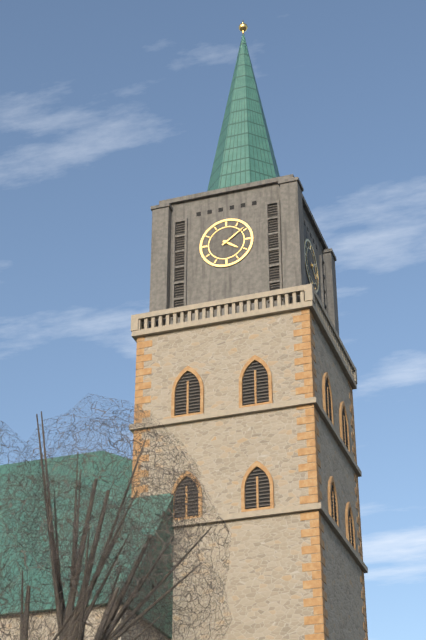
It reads 4,09
